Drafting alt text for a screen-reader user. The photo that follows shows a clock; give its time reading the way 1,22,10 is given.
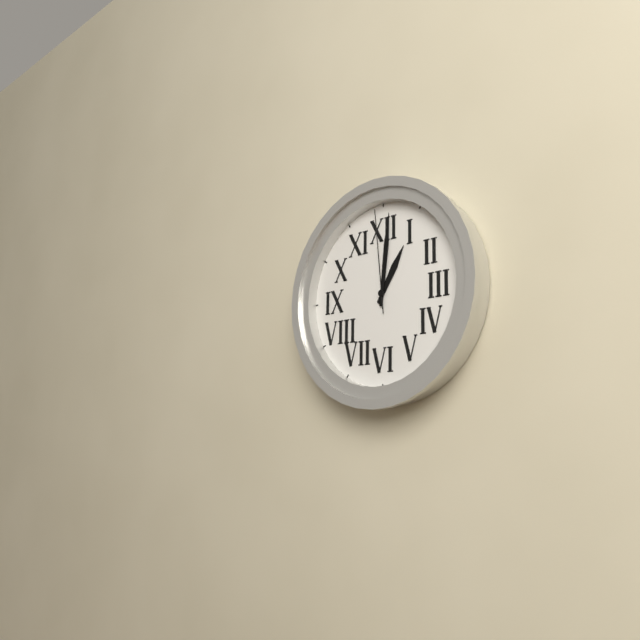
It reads 1,01,59
